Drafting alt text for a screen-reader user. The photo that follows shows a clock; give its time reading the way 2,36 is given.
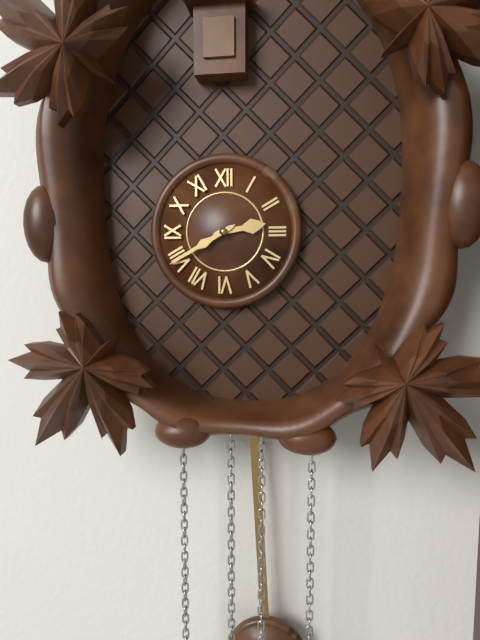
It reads 2,40
